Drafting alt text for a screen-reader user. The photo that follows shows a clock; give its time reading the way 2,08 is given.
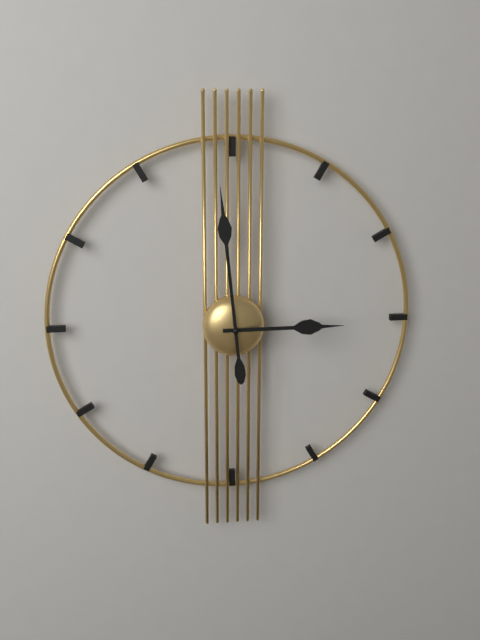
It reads 2,59
